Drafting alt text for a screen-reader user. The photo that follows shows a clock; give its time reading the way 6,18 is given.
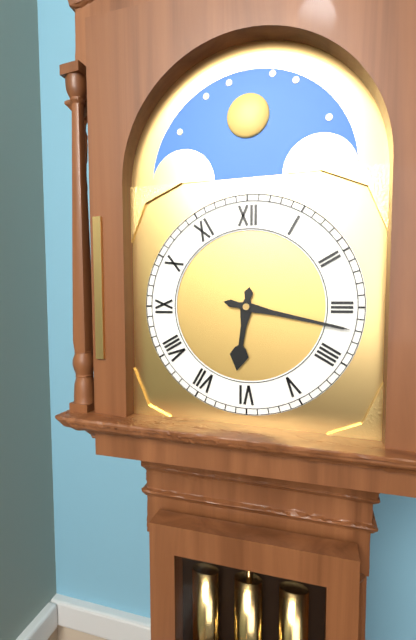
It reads 6,17
